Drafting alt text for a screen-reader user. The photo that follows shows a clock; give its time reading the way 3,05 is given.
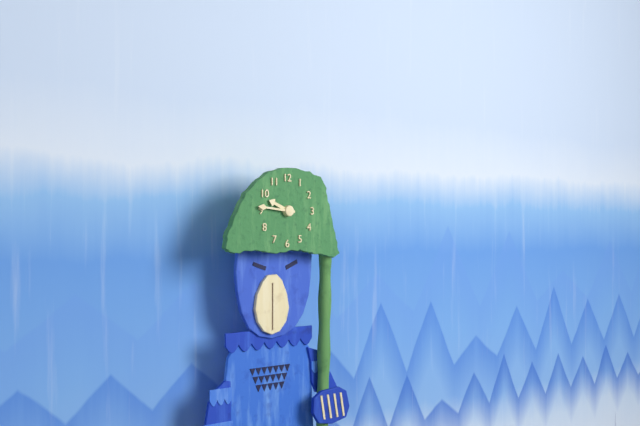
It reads 9,46
